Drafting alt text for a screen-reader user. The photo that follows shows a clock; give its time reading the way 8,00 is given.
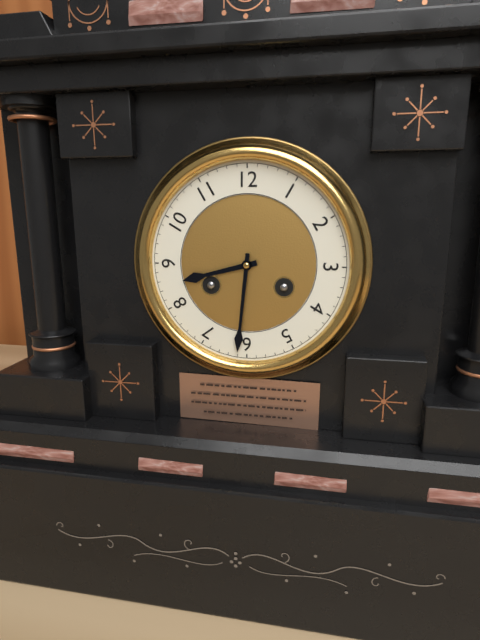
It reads 8,31
